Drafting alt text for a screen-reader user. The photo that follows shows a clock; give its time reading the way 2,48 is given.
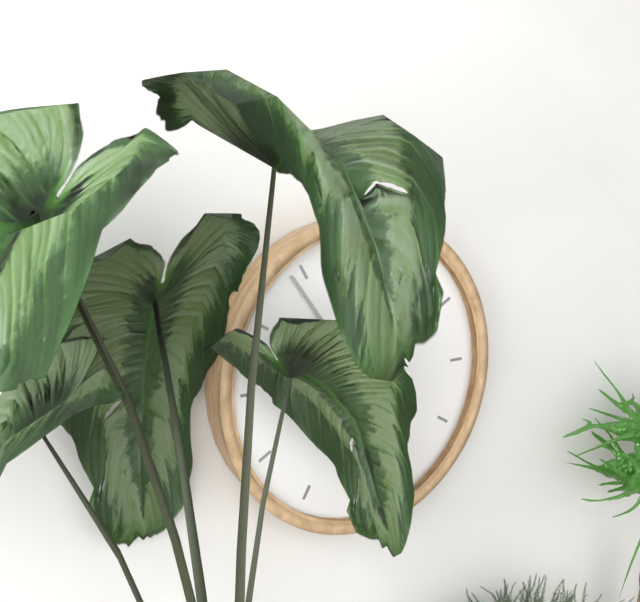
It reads 5,54
